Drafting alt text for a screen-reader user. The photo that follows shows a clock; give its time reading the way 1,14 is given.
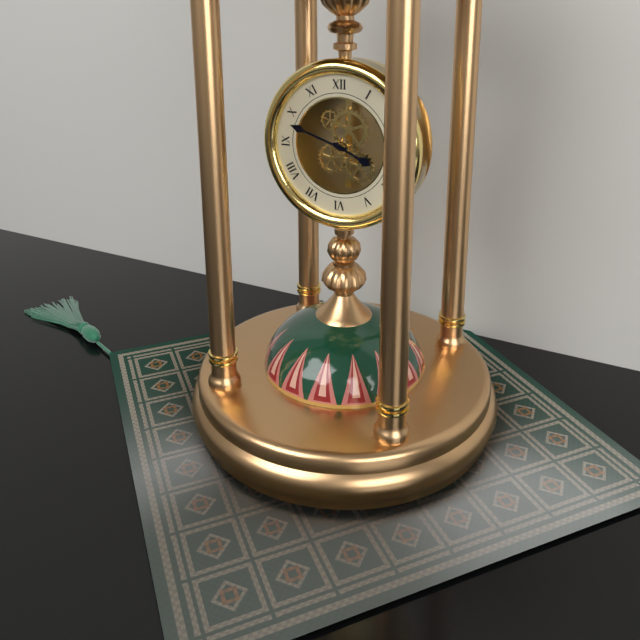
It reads 3,48
